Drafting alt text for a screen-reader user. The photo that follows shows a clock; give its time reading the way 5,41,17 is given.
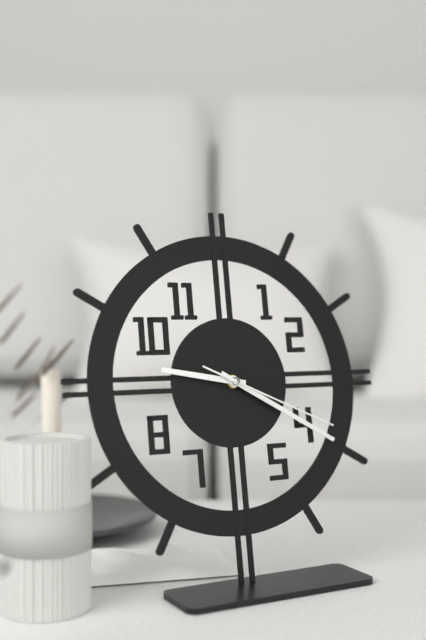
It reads 9,20,19
